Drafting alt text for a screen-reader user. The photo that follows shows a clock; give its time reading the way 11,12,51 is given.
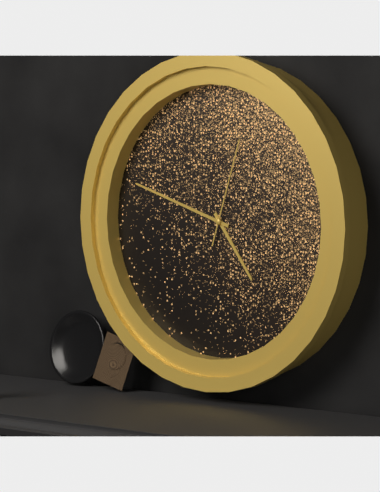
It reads 4,48,03
